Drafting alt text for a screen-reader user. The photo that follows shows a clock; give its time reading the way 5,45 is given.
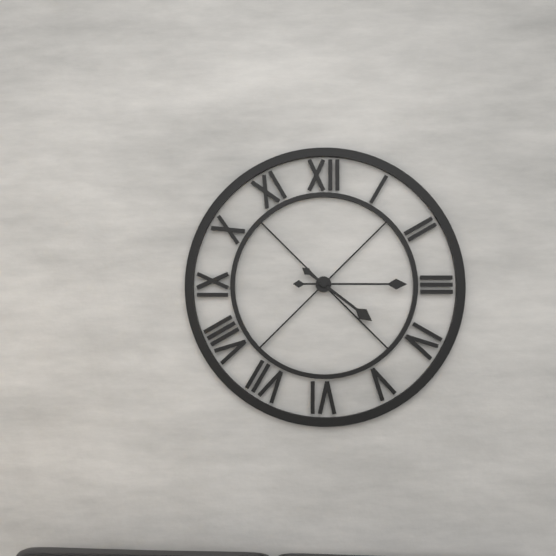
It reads 4,15
